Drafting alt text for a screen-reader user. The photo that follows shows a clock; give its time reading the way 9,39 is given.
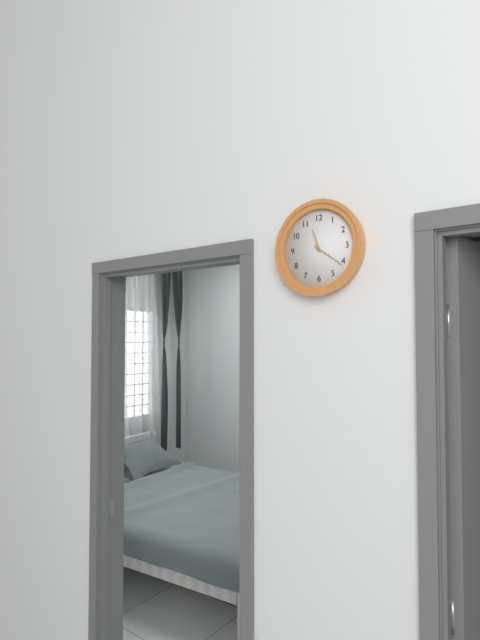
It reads 11,21
